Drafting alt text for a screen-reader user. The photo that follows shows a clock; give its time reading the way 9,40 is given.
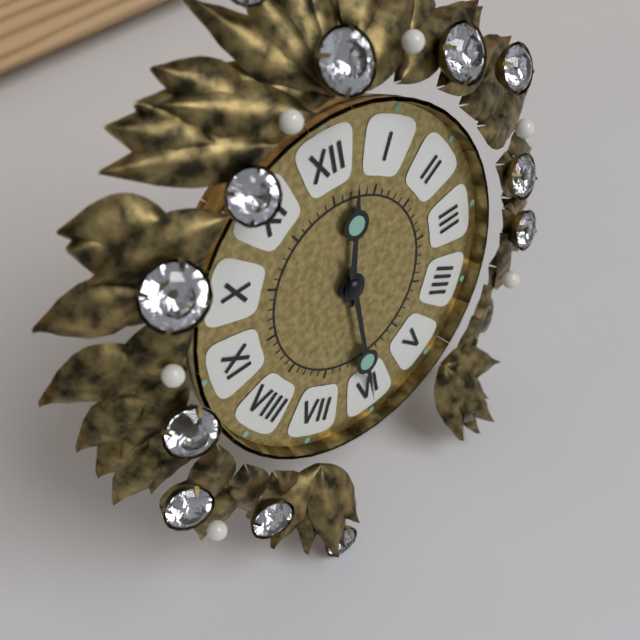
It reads 12,30
